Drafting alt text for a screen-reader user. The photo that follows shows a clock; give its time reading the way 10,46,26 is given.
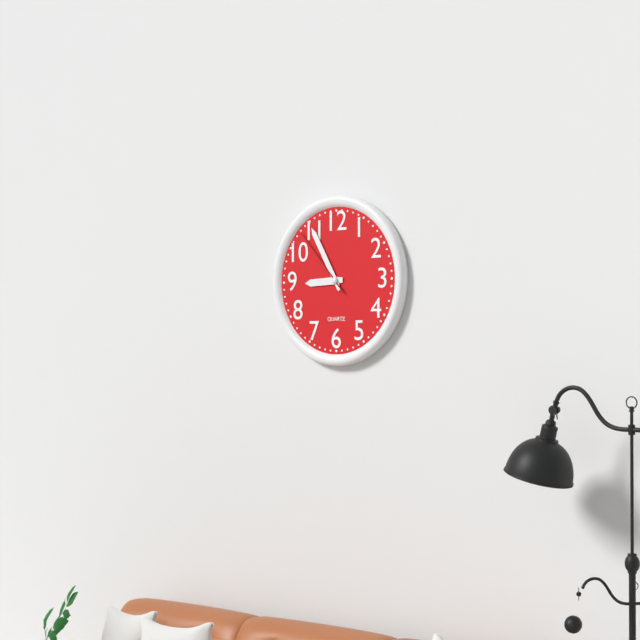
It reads 8,55,53
